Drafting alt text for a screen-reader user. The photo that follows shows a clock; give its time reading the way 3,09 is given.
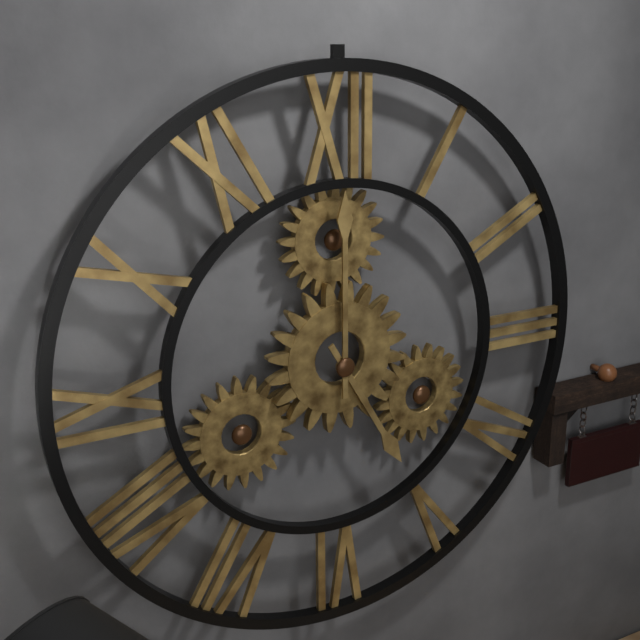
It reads 5,00
